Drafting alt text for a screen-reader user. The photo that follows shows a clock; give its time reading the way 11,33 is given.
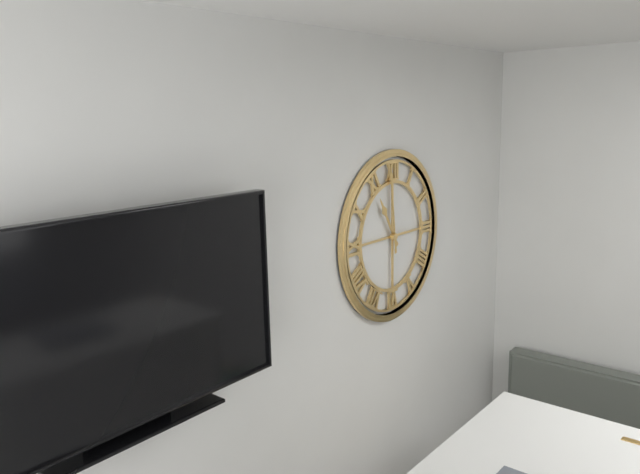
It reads 10,59
